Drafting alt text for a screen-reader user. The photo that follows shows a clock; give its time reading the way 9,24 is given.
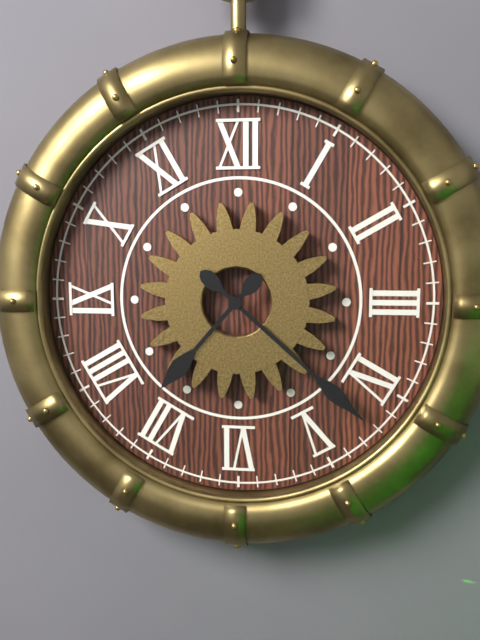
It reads 7,22
